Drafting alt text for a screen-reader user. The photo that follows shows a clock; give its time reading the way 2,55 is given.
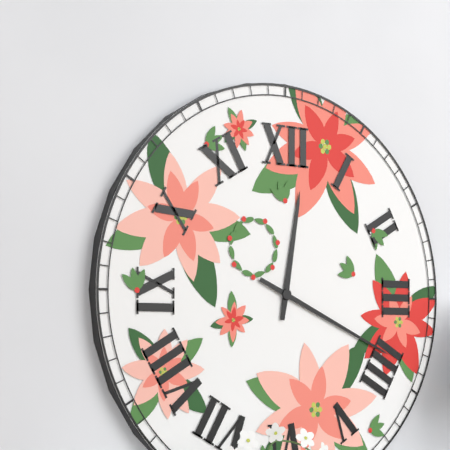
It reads 12,19
